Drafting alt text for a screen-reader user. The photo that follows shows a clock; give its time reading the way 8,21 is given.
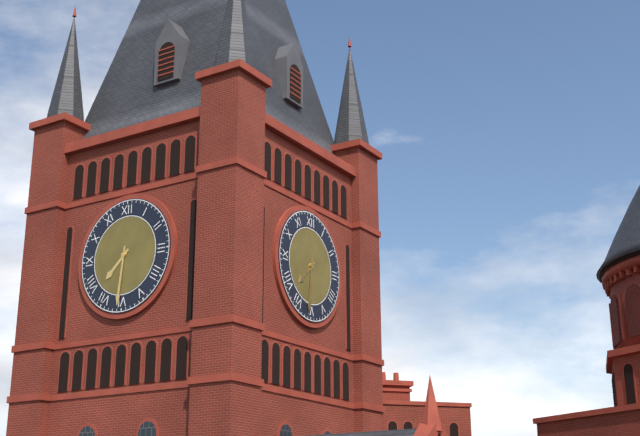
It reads 7,31
